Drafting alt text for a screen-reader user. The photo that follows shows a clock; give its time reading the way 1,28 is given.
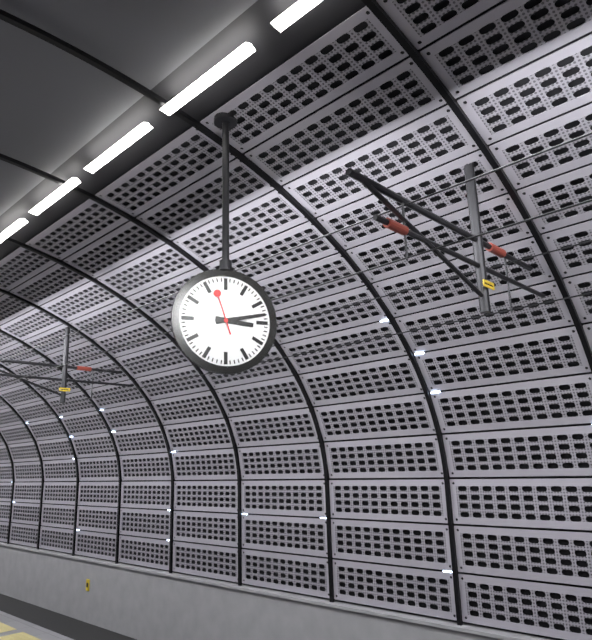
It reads 3,13
